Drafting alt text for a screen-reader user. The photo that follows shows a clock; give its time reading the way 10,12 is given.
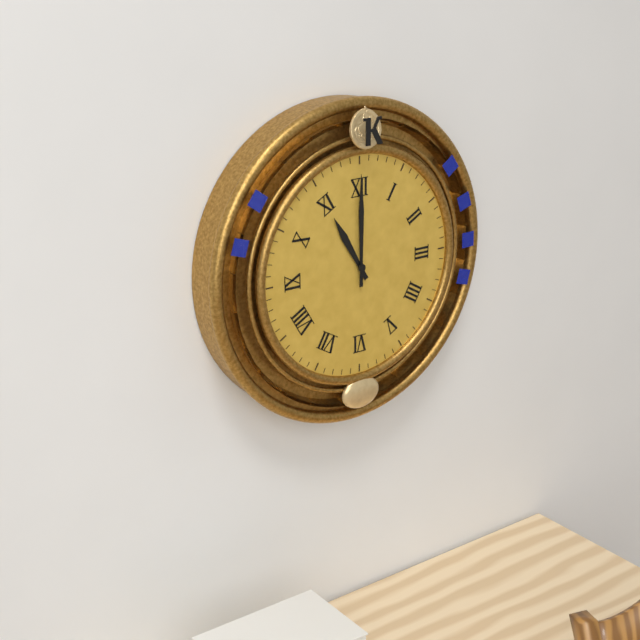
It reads 11,00
